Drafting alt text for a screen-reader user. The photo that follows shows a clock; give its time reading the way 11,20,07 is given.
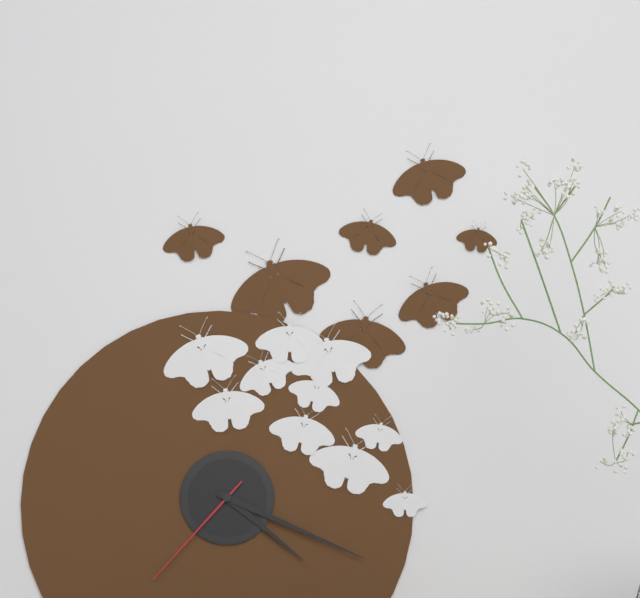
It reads 4,19,37
